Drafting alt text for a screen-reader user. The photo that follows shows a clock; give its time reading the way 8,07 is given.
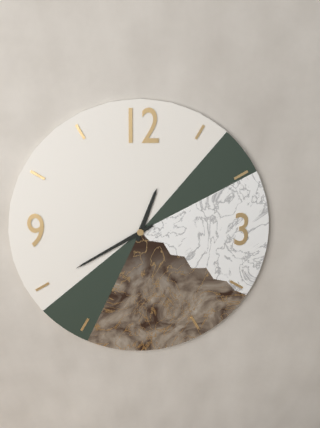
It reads 12,40
